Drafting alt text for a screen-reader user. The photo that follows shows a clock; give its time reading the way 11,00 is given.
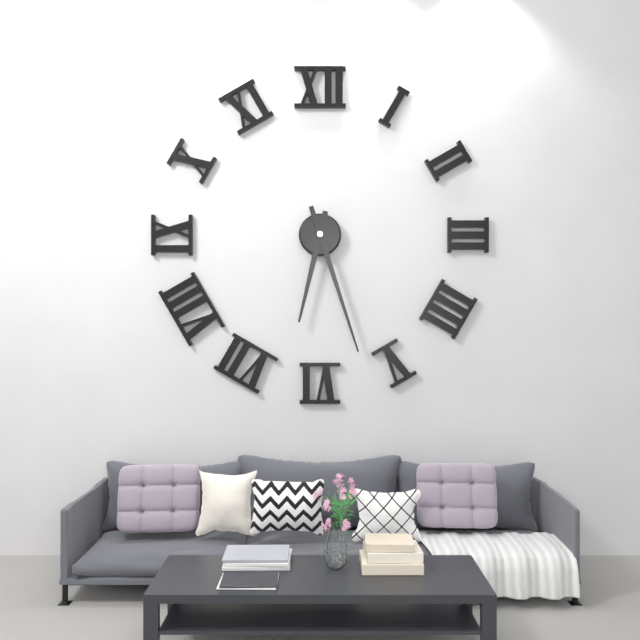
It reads 6,27
